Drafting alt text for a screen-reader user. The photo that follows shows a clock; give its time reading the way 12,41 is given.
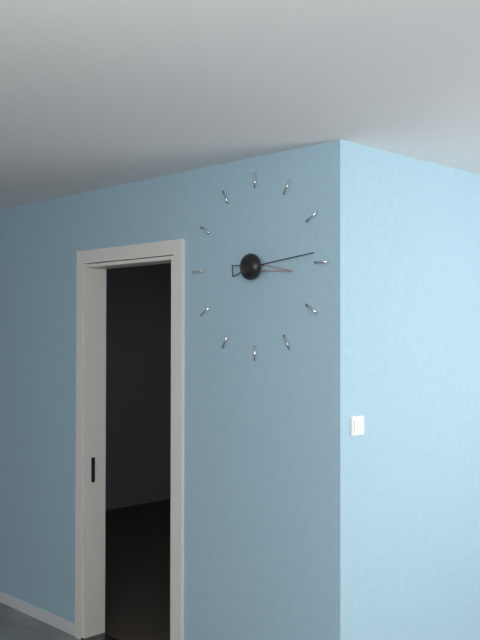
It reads 3,14
